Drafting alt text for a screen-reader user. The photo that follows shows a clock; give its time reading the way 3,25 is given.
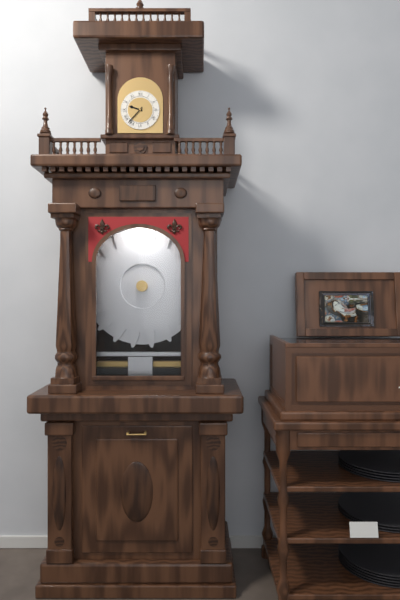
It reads 9,37
